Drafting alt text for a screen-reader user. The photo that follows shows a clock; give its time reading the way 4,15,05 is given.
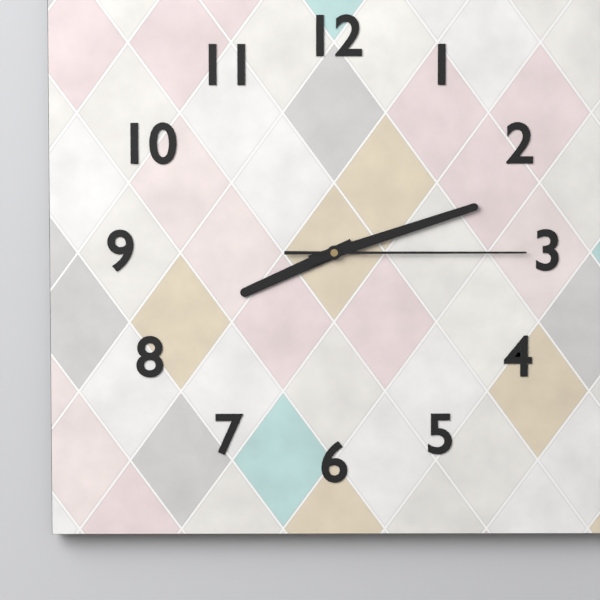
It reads 8,12,15
